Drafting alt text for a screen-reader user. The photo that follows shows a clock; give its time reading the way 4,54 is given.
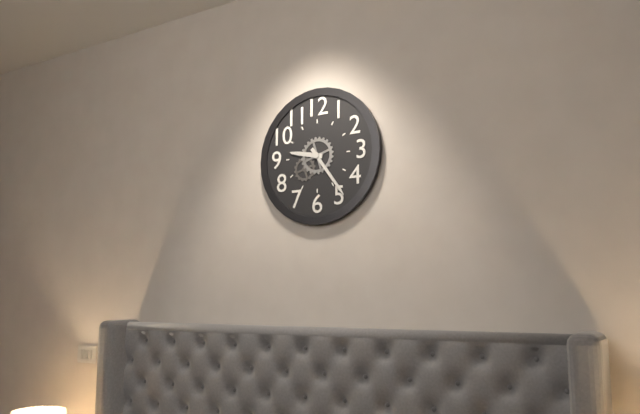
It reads 9,24
